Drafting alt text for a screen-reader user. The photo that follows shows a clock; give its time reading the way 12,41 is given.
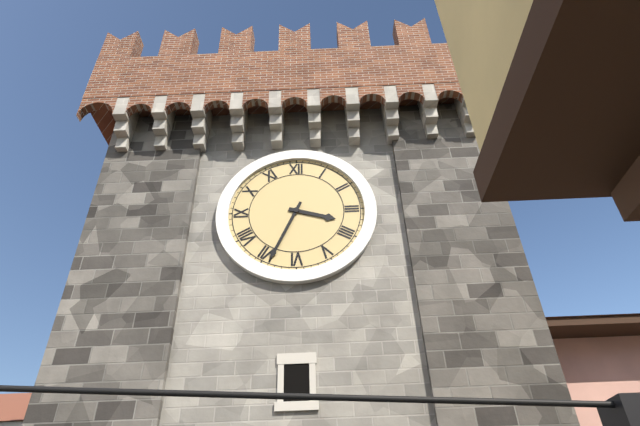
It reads 3,34
